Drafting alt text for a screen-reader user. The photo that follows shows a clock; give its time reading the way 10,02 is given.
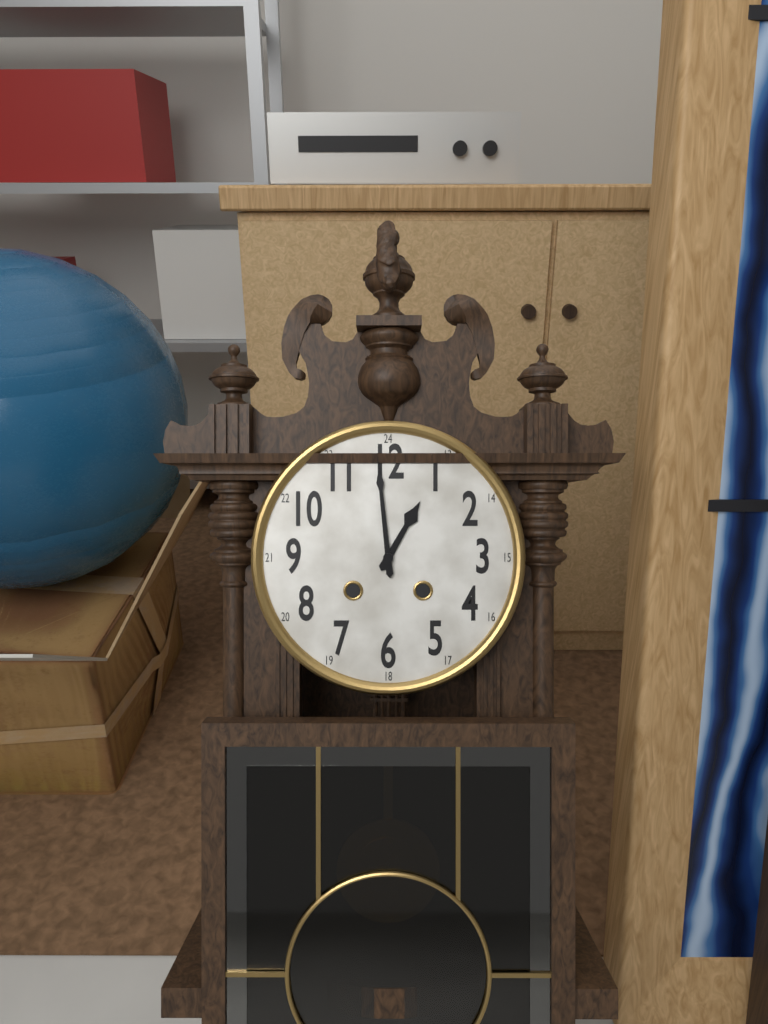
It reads 12,59
